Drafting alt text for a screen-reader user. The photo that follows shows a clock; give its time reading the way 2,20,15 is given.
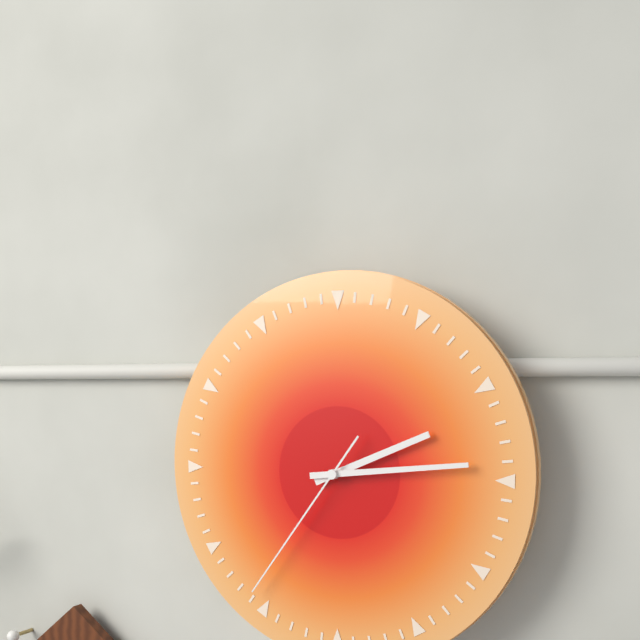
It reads 2,14,36
